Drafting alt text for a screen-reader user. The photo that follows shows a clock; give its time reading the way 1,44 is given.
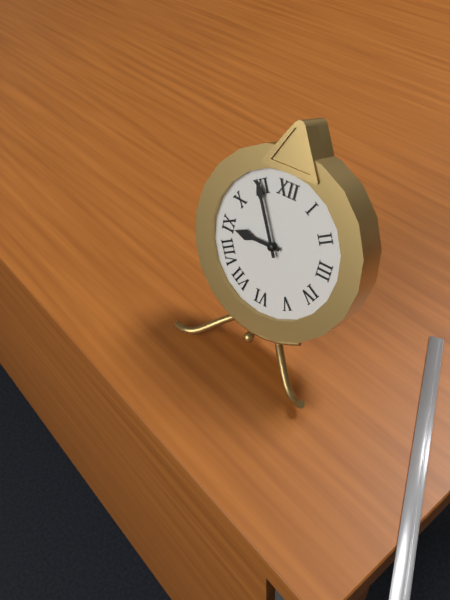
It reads 8,55
